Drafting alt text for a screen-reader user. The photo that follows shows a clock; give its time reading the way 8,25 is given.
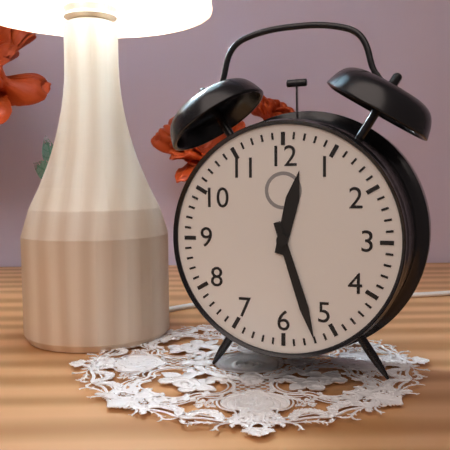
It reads 12,27
